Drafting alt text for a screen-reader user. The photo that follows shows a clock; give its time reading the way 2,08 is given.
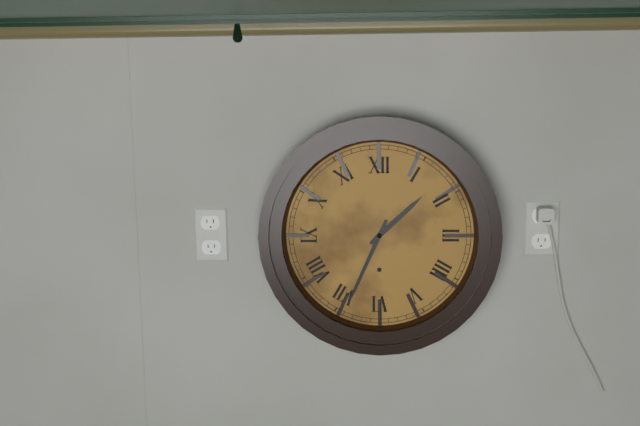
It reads 1,34
